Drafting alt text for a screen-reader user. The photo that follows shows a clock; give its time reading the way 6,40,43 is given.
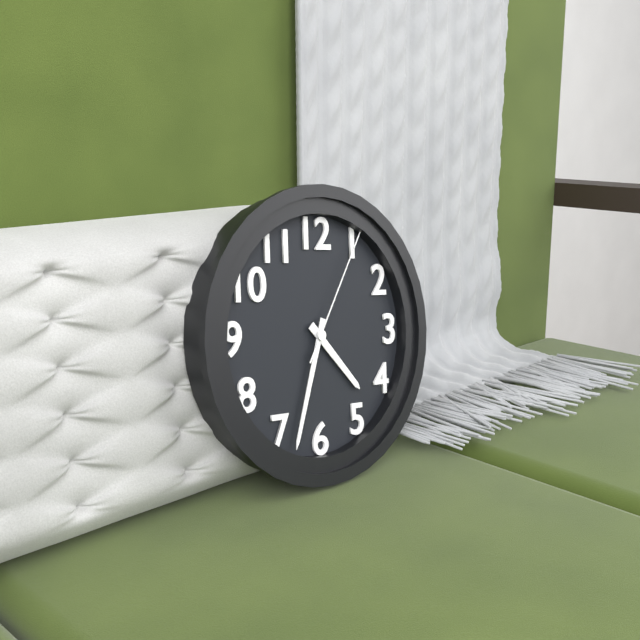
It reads 4,33,05
